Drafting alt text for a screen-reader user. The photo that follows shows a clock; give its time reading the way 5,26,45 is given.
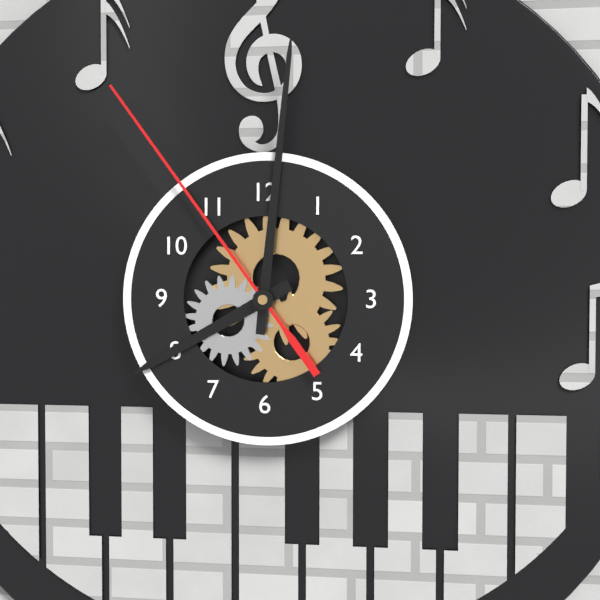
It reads 8,01,54
